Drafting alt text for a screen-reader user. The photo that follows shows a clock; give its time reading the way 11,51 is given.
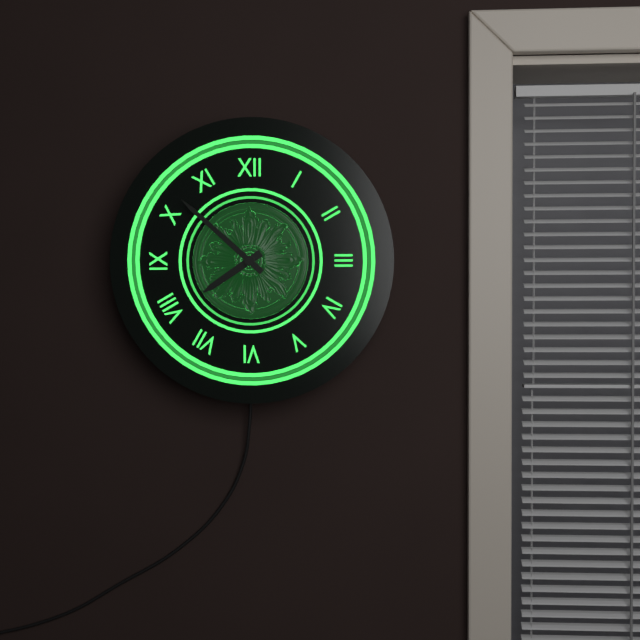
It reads 7,52
